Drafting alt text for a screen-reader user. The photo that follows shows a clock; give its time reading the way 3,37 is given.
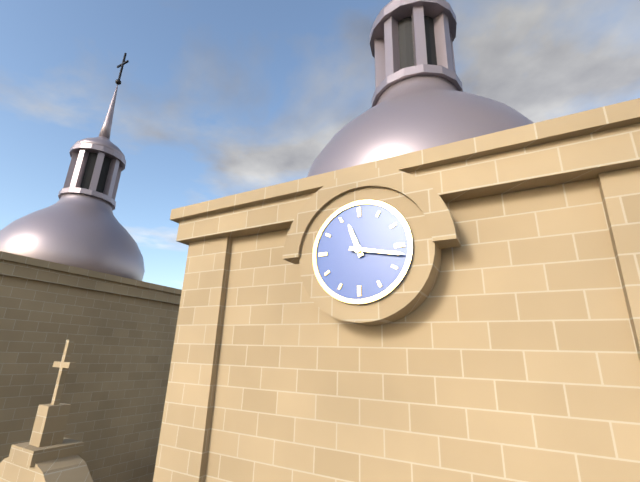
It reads 11,17
